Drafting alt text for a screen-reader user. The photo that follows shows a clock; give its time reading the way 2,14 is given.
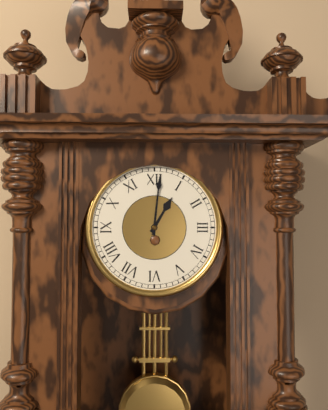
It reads 1,01
